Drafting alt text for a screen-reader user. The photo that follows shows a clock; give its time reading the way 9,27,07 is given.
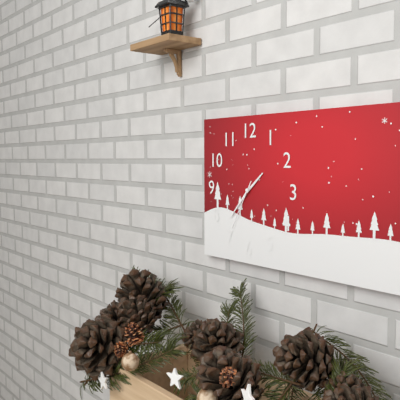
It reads 1,37,35
